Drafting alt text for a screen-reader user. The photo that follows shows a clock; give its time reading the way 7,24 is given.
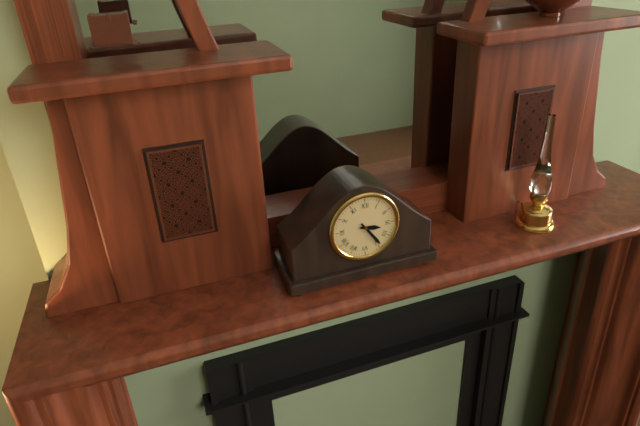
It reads 3,24
